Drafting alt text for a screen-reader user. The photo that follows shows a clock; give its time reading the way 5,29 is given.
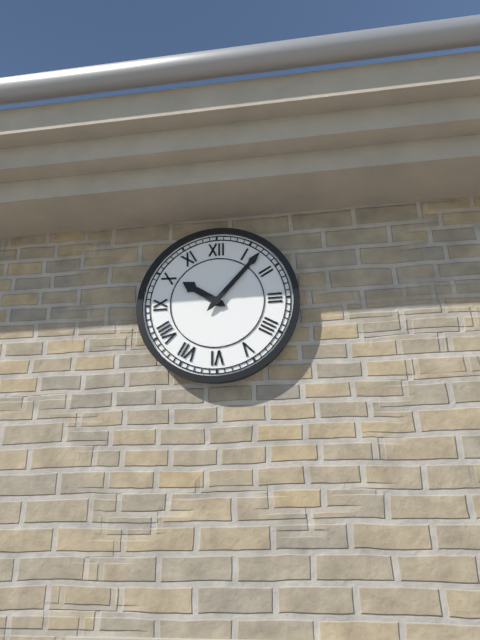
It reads 10,07
